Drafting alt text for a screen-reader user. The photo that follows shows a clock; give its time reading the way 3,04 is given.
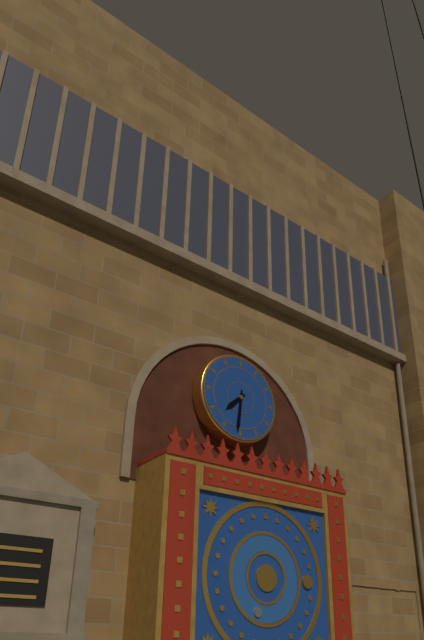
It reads 7,31
